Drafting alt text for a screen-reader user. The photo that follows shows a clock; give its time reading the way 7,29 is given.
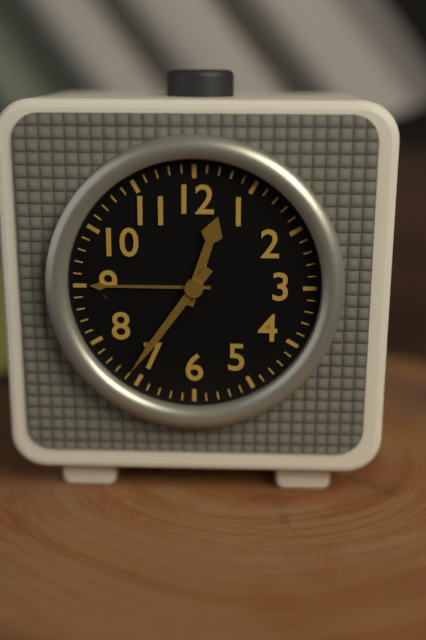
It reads 12,36
